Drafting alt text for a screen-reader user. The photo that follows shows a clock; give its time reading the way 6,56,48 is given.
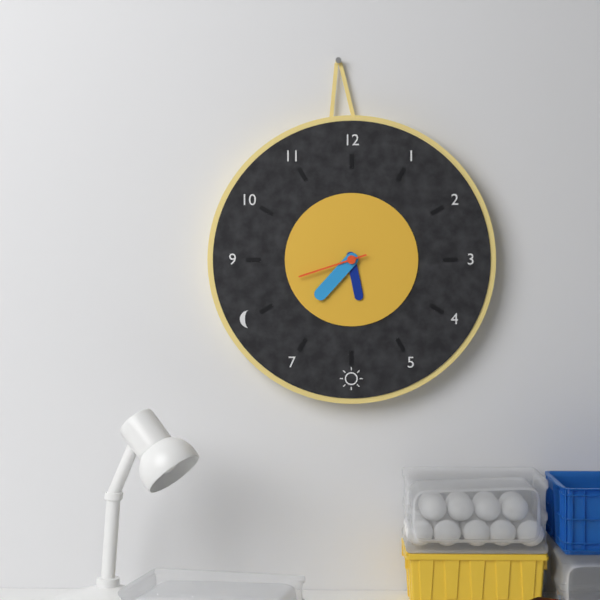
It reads 5,37,42
